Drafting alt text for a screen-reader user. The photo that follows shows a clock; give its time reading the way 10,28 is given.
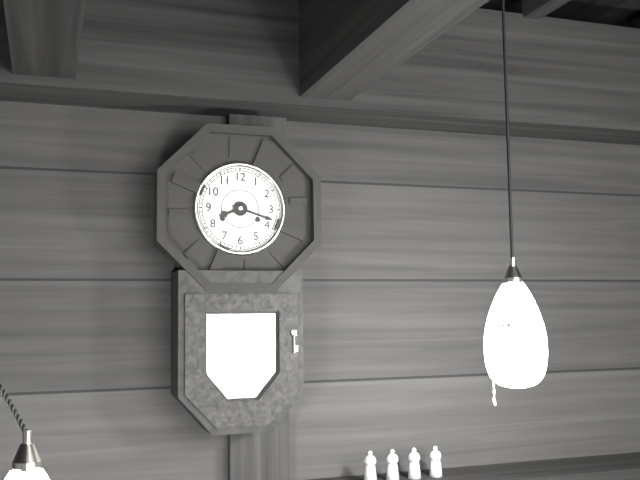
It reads 8,18
